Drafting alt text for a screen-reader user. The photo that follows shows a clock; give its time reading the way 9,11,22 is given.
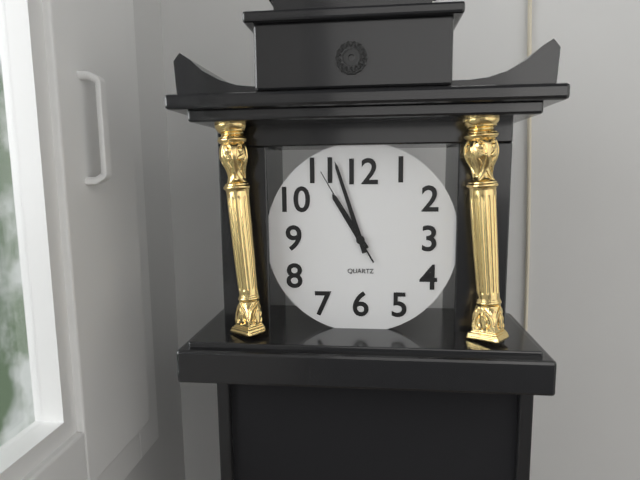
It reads 10,57,55
